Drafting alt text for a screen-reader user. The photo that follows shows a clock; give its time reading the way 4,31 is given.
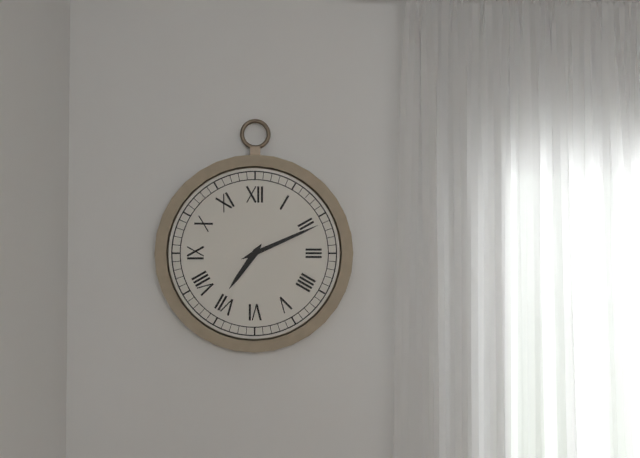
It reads 7,11
